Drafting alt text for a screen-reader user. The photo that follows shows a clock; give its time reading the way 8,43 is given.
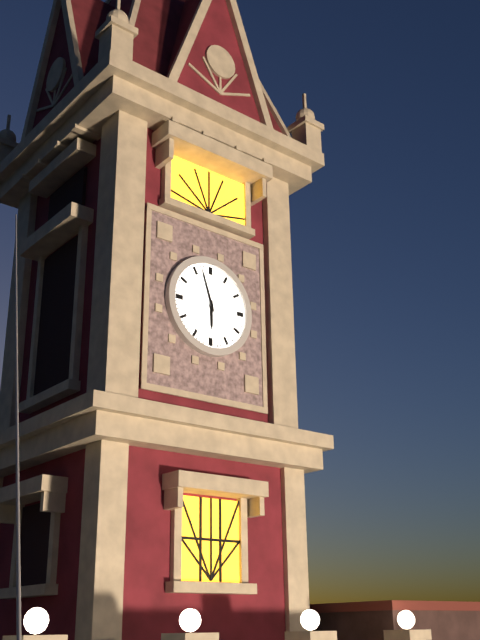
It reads 5,57
